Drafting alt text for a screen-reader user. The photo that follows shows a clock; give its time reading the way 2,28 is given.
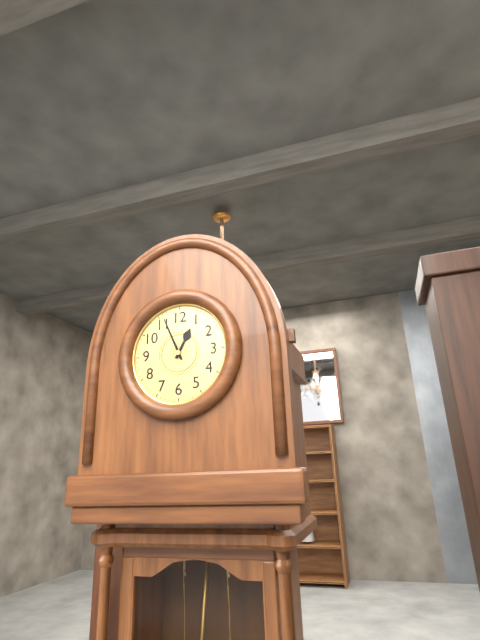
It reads 12,56
